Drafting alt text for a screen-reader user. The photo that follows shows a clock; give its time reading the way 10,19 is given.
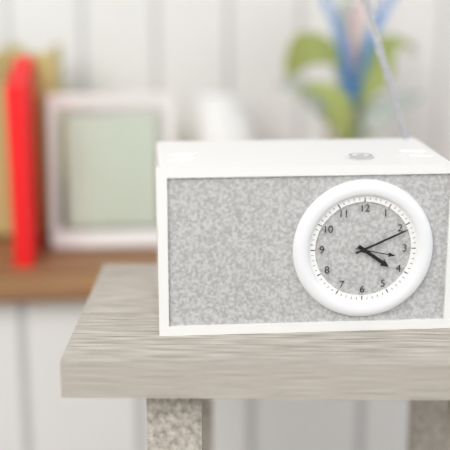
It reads 4,11
